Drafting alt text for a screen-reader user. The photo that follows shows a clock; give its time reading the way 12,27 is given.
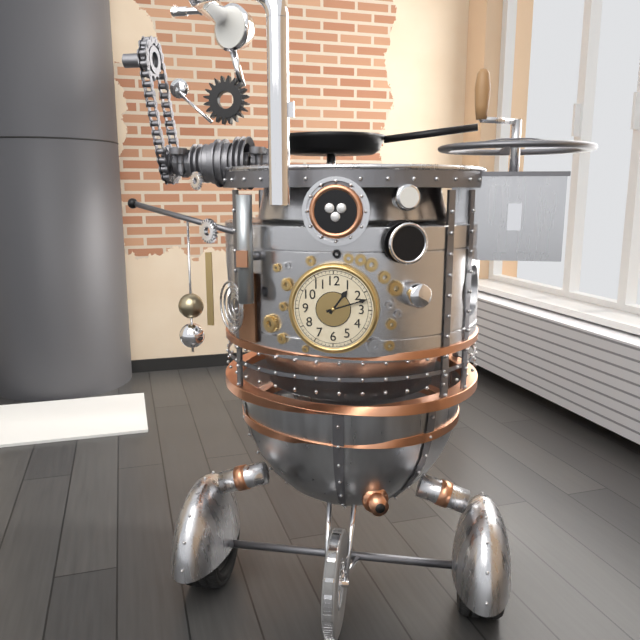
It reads 1,12
